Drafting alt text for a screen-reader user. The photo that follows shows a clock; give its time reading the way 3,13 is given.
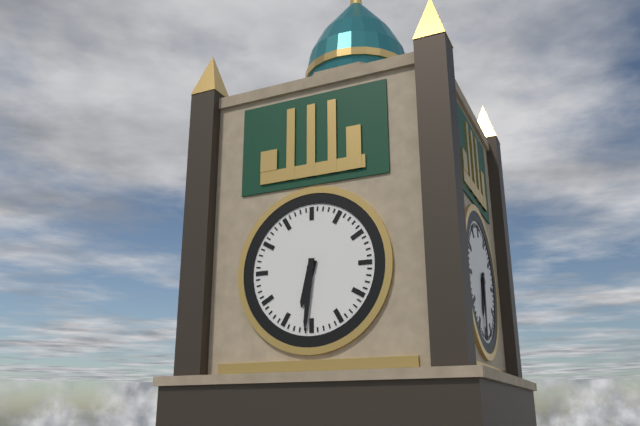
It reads 6,31
